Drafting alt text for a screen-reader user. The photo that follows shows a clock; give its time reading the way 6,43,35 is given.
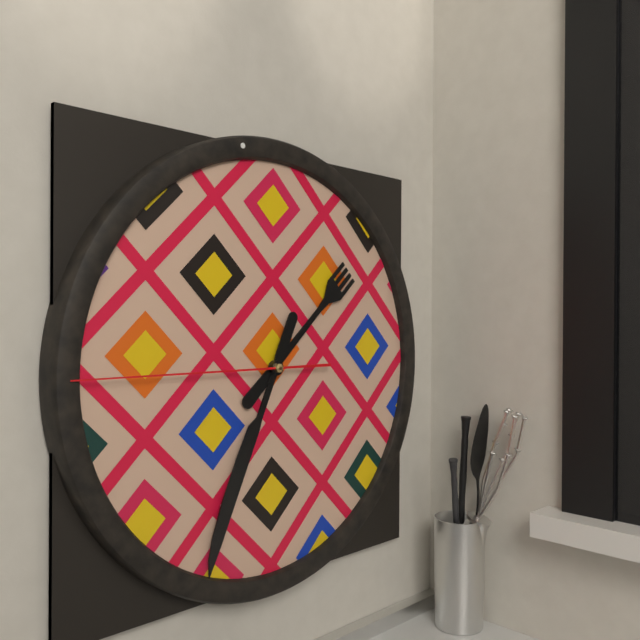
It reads 1,34,45
